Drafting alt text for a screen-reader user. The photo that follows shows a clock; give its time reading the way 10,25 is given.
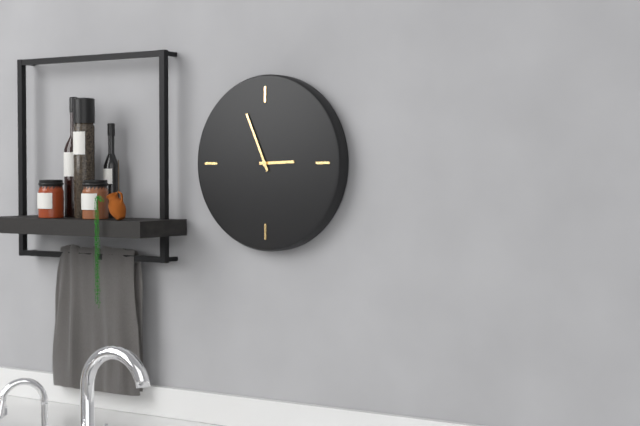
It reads 2,56
